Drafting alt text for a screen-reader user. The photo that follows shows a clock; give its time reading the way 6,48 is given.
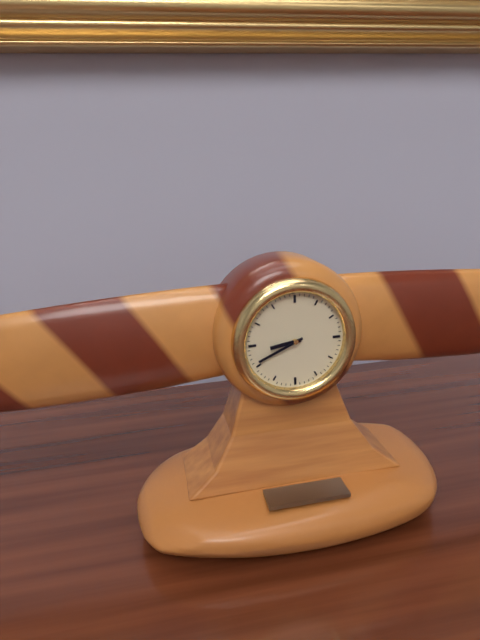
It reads 8,41
